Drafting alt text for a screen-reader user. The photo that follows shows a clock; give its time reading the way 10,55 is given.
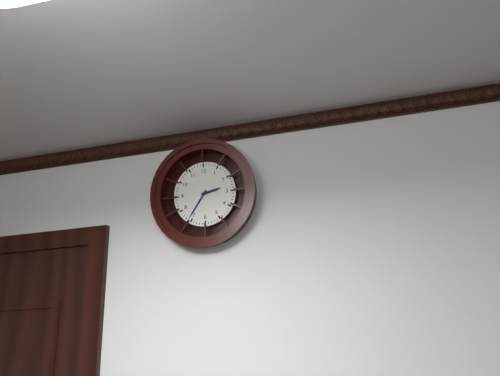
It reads 2,36
